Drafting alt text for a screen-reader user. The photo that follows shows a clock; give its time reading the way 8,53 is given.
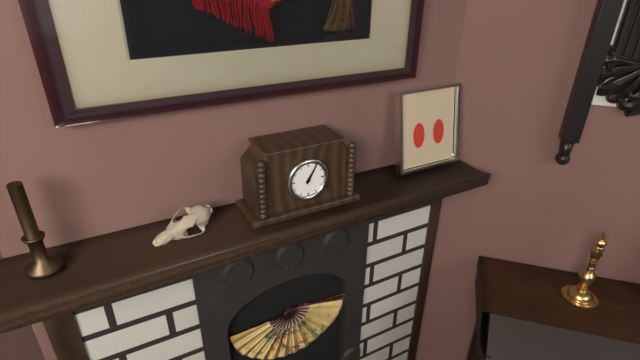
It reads 1,05
